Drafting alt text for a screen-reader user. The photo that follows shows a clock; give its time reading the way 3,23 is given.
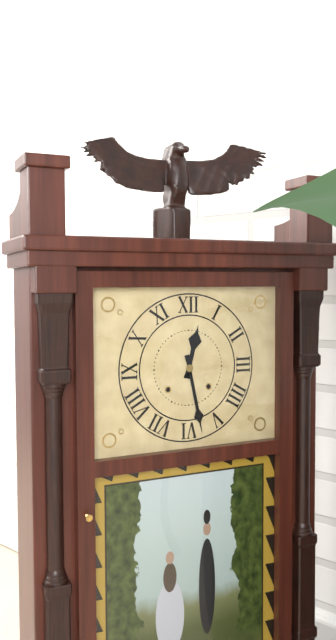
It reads 12,28
